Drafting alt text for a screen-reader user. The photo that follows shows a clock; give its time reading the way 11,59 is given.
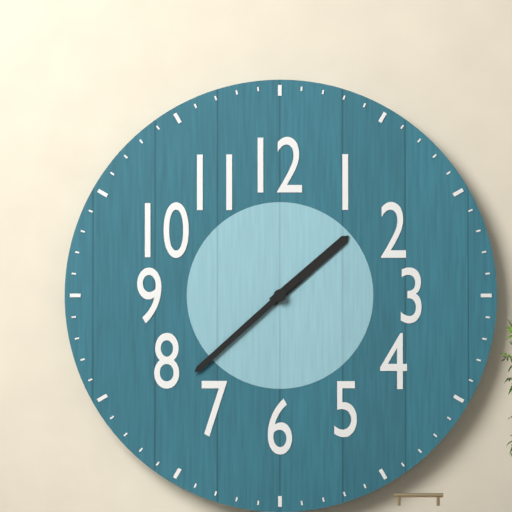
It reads 1,38
